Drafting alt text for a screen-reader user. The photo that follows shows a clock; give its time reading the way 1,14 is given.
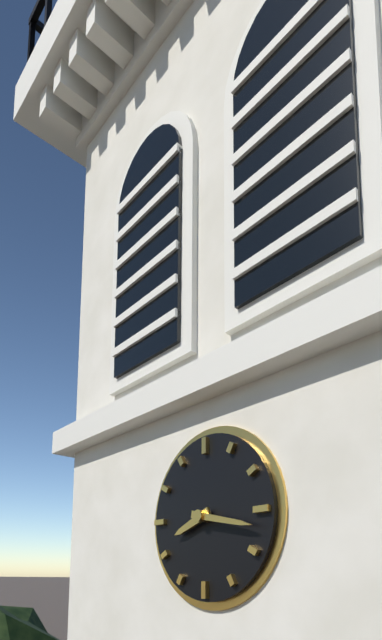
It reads 8,17
